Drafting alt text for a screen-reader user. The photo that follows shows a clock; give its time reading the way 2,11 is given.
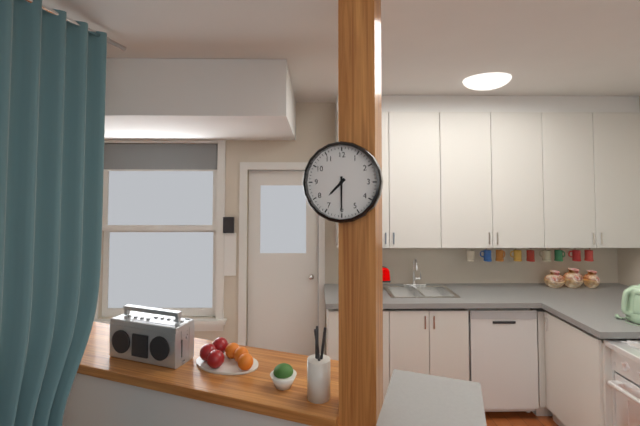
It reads 7,30
